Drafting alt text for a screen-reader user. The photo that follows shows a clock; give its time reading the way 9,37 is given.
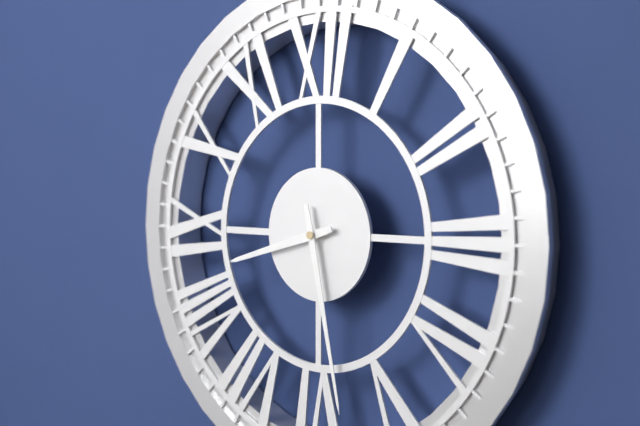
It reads 8,28
